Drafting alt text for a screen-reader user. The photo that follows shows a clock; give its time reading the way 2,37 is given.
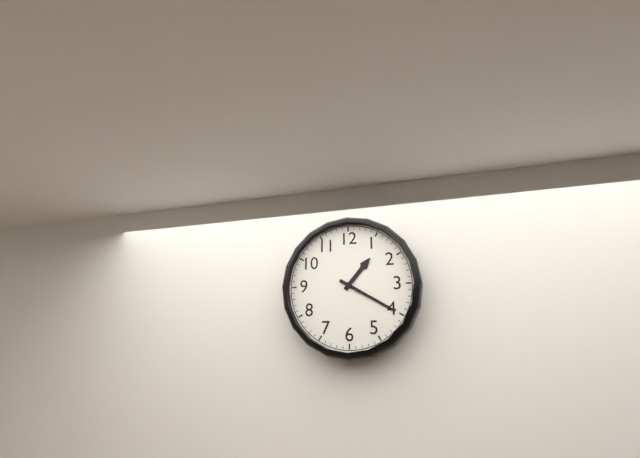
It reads 1,20
